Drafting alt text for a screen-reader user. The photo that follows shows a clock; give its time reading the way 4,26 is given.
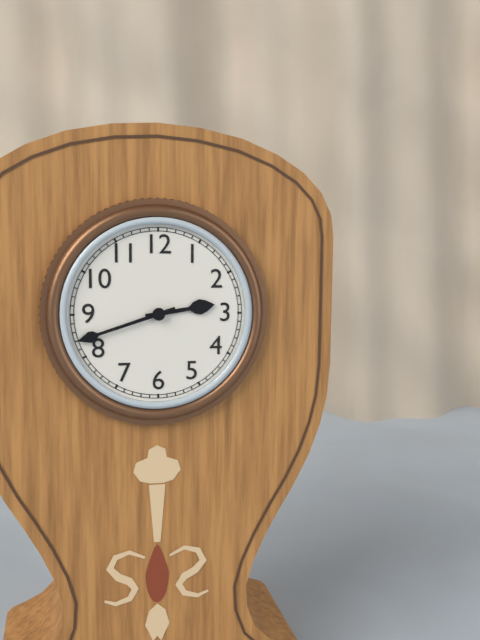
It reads 2,42
